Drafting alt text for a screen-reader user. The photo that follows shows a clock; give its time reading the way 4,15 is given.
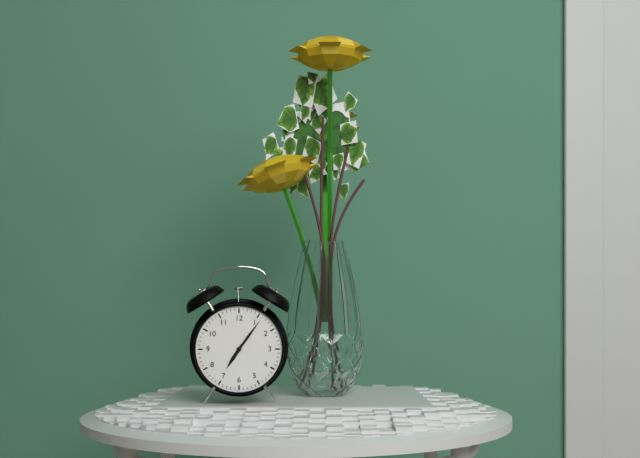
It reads 7,06
